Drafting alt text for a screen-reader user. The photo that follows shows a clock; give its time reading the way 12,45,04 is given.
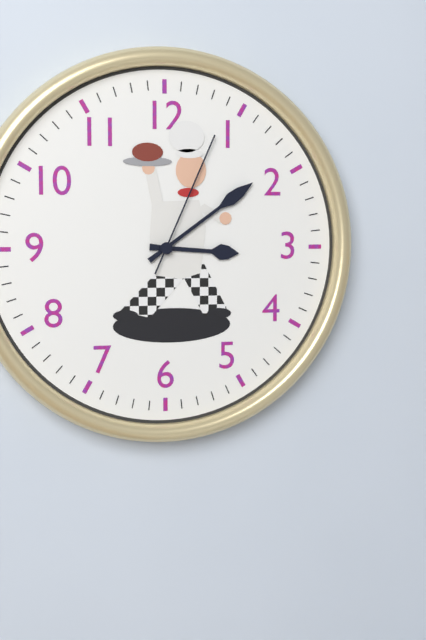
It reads 3,09,04
